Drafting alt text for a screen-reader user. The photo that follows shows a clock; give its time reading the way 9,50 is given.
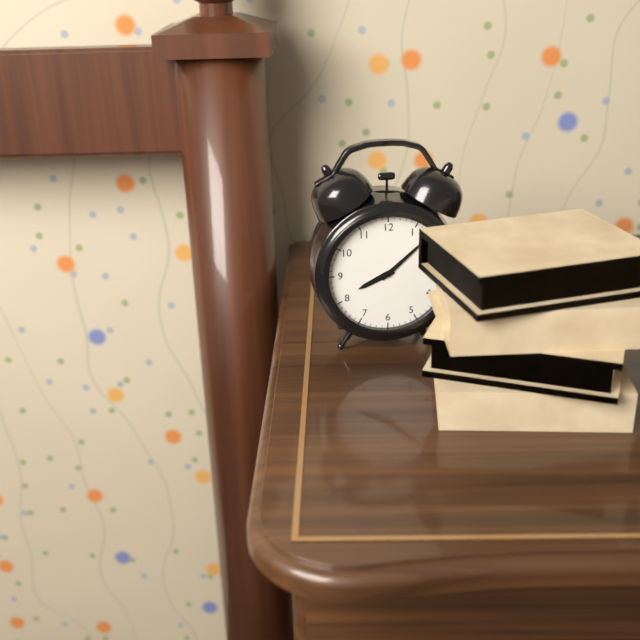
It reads 8,08
